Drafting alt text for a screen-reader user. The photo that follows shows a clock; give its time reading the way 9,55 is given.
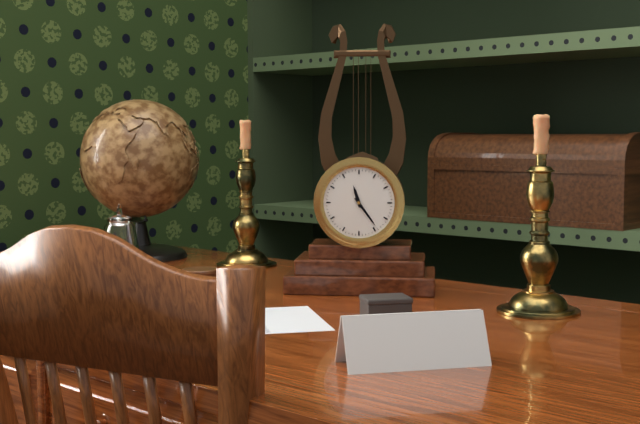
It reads 11,24
